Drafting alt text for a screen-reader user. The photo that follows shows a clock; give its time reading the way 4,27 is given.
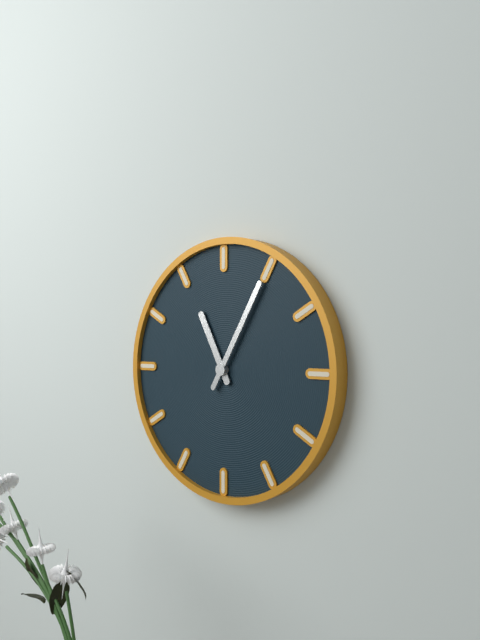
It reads 11,05
